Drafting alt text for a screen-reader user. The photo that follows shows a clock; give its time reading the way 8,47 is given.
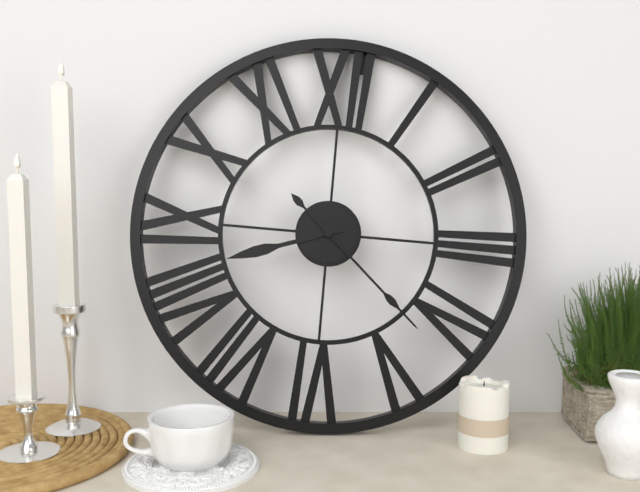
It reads 8,22
